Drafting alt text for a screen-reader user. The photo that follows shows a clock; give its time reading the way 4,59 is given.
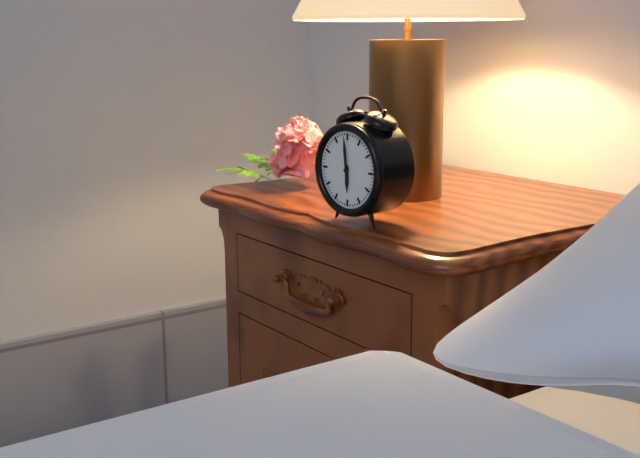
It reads 5,59
